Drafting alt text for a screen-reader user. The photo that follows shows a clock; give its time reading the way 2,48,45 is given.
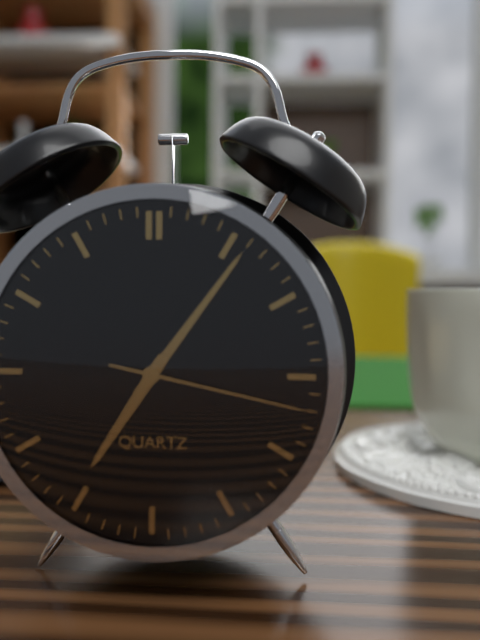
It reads 7,06,17
